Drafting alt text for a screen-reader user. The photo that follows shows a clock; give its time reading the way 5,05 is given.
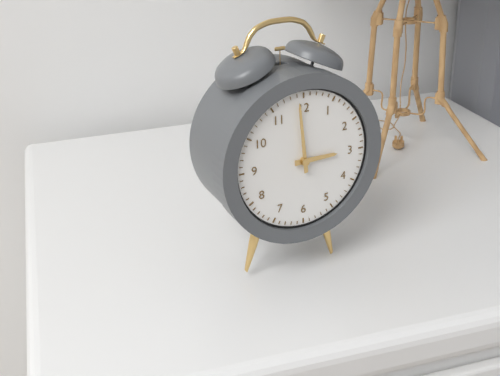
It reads 2,59
